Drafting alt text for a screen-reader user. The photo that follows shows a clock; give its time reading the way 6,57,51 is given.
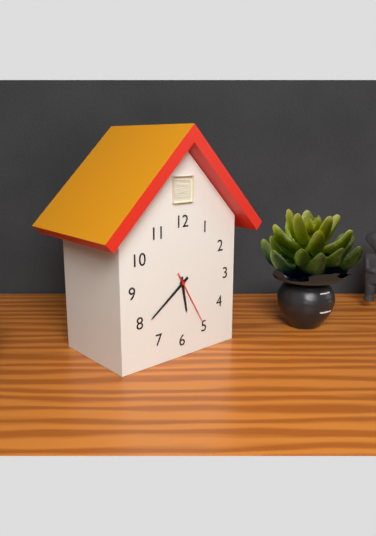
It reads 5,39,25
